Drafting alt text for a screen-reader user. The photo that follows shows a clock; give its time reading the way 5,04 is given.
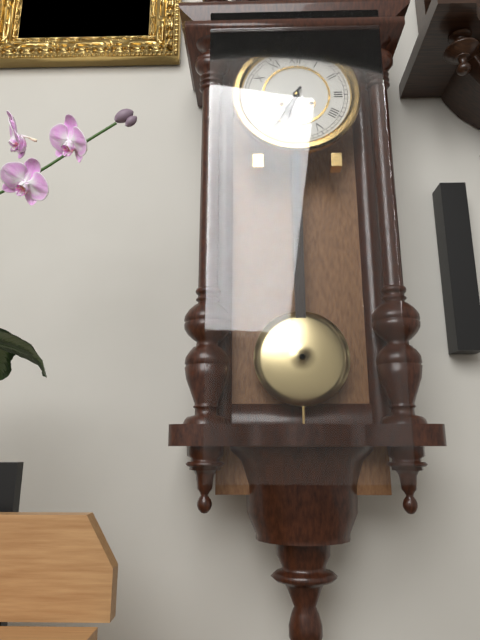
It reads 6,35
